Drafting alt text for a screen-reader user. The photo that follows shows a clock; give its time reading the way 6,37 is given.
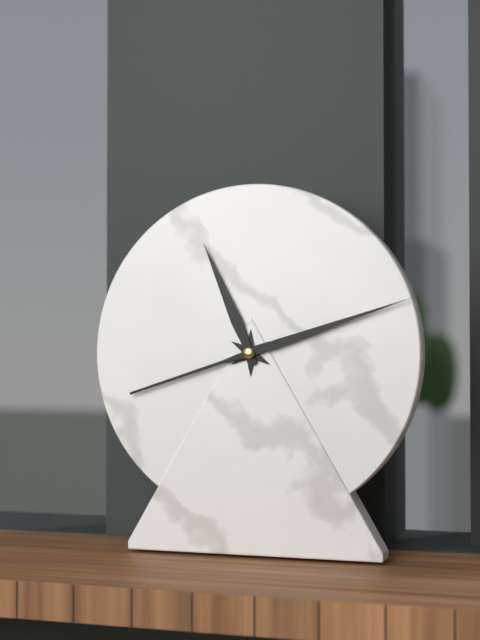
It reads 11,12
